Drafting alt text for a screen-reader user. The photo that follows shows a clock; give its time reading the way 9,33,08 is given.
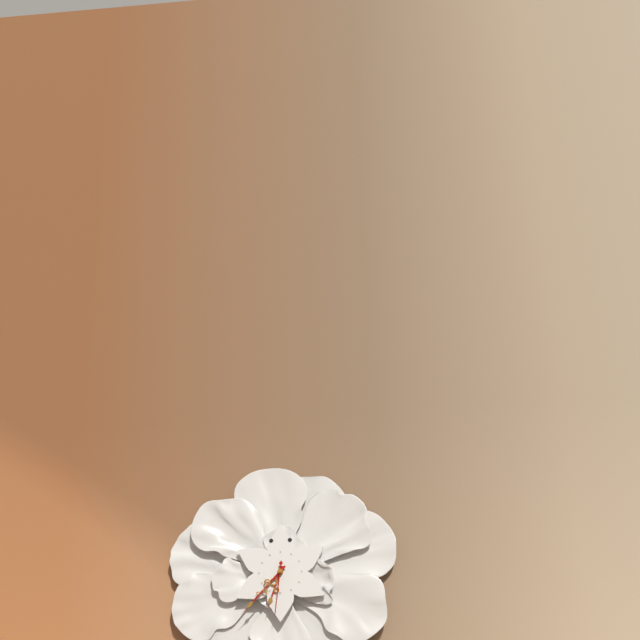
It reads 6,37,31
